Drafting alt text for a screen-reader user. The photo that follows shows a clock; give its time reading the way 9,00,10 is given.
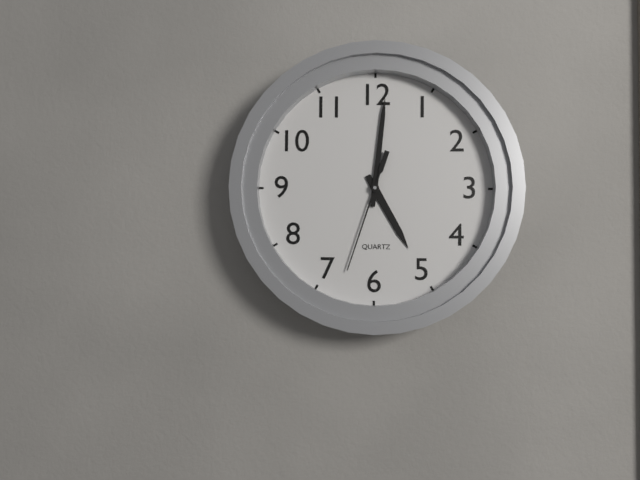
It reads 5,01,33
